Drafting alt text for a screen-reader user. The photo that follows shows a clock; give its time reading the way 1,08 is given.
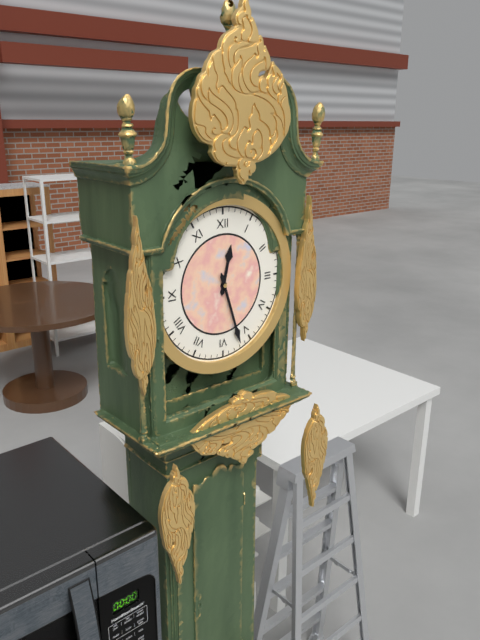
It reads 12,27
